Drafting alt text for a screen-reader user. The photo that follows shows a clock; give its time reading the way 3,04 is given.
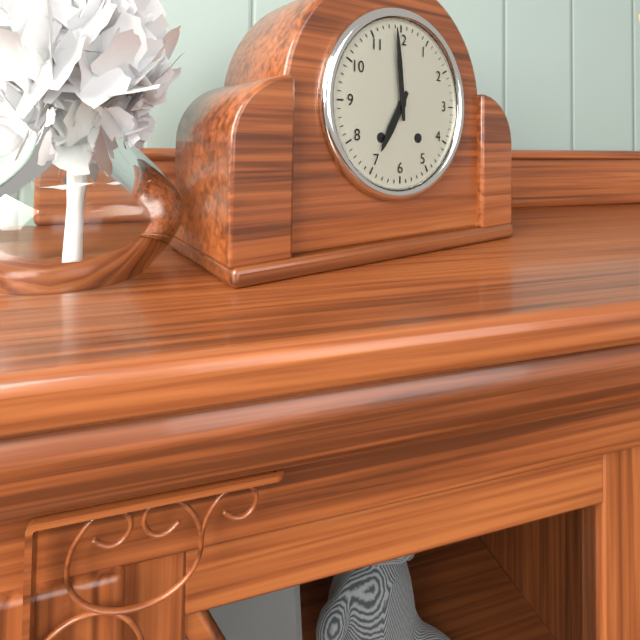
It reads 6,59
